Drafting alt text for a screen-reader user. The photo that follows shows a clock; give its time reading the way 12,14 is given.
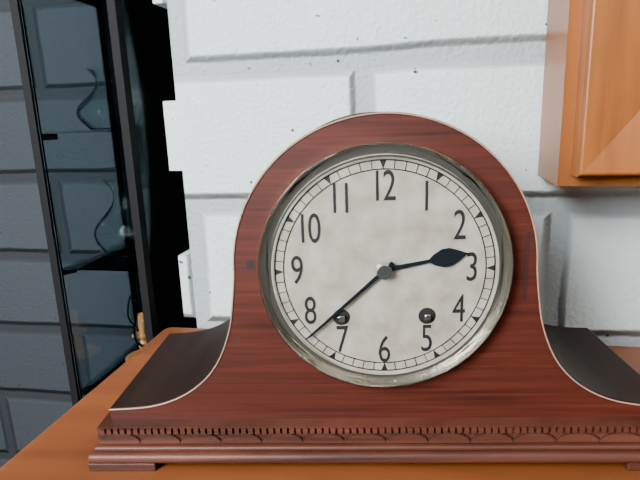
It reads 2,38
